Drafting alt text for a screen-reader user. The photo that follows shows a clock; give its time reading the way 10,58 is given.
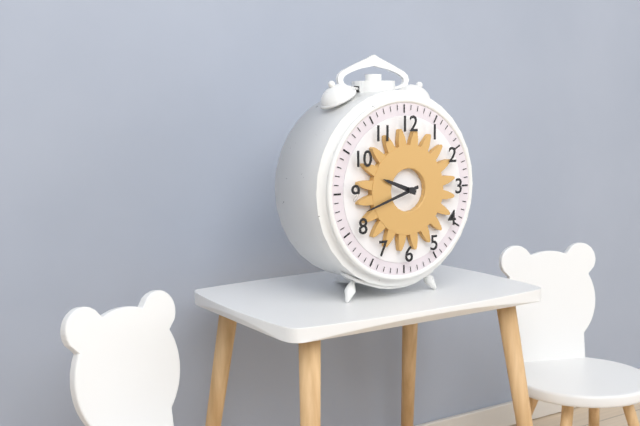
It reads 9,42
